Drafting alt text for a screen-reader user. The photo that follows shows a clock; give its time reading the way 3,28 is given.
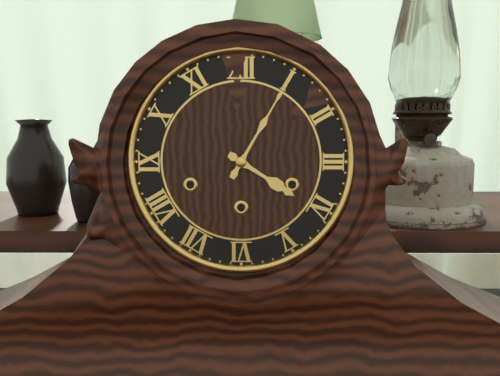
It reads 4,05
